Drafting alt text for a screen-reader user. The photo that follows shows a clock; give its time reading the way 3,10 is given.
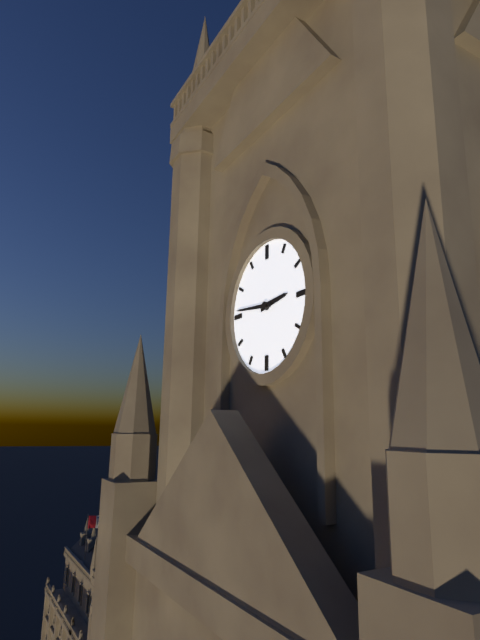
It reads 2,46
